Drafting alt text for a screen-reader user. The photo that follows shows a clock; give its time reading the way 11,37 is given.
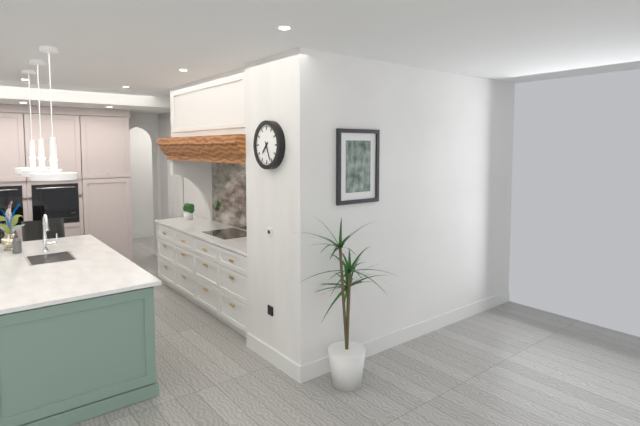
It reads 7,26
